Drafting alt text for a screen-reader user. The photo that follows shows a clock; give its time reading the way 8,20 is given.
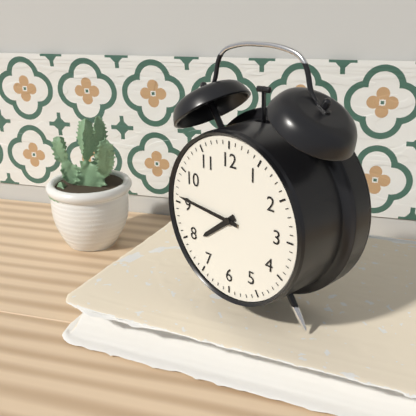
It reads 7,46
